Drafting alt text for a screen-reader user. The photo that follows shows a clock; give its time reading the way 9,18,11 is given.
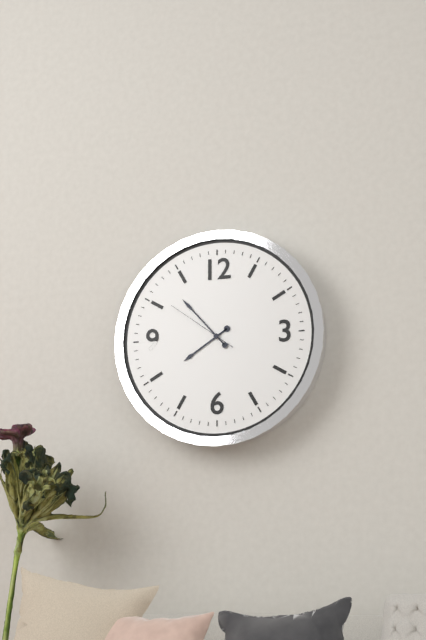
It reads 7,53,51
